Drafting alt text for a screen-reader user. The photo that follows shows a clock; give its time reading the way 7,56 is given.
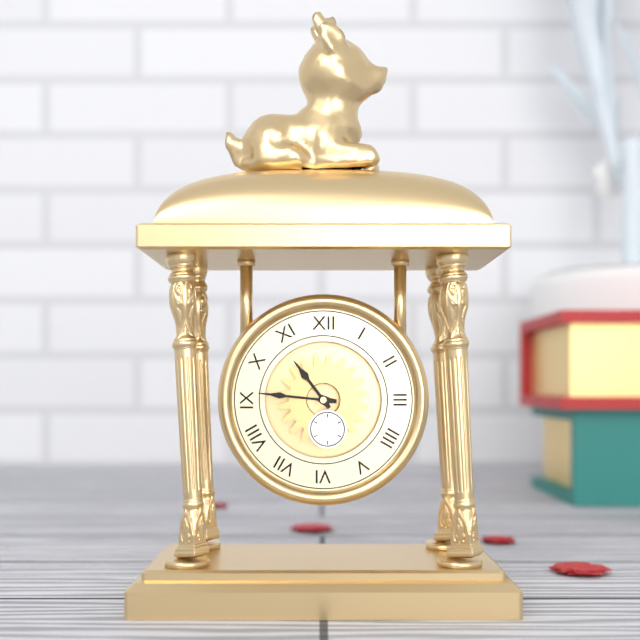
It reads 10,46
